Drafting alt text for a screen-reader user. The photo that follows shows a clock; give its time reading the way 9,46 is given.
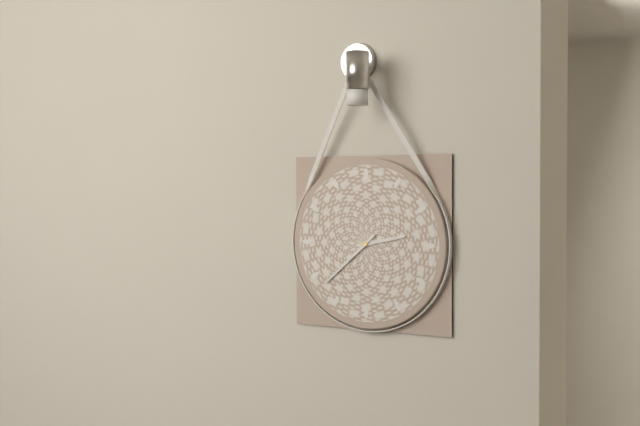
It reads 2,38
